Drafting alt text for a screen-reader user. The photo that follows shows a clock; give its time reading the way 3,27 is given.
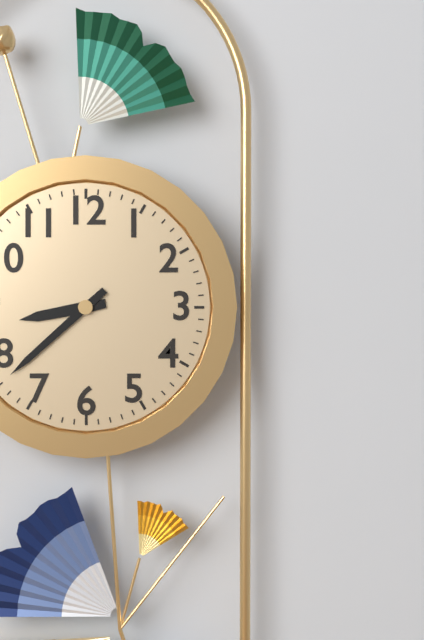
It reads 8,38
